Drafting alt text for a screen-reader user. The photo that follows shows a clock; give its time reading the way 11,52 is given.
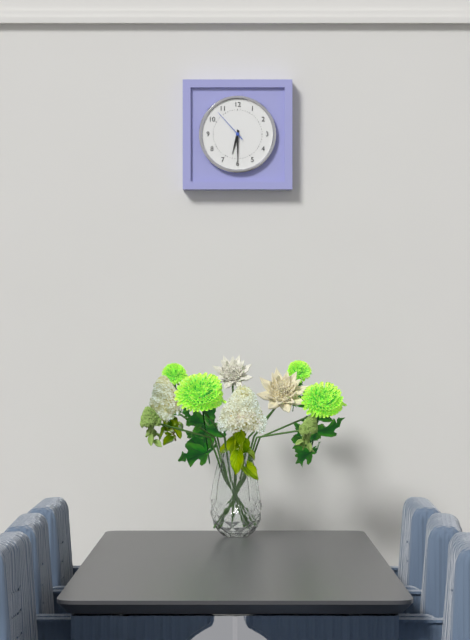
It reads 6,30
